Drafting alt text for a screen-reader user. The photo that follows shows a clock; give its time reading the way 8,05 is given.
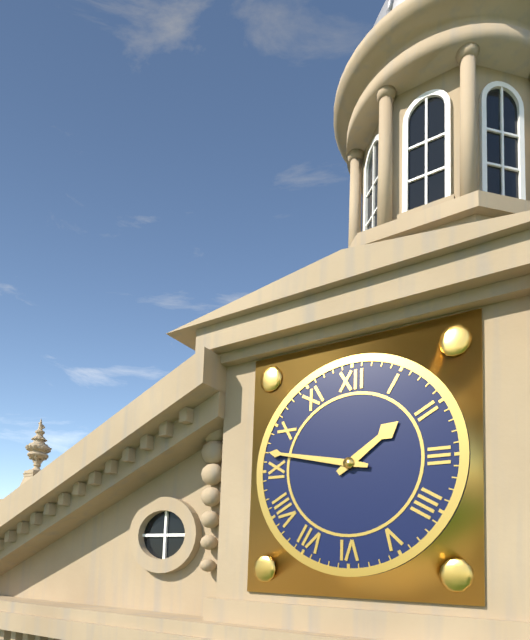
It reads 1,47
